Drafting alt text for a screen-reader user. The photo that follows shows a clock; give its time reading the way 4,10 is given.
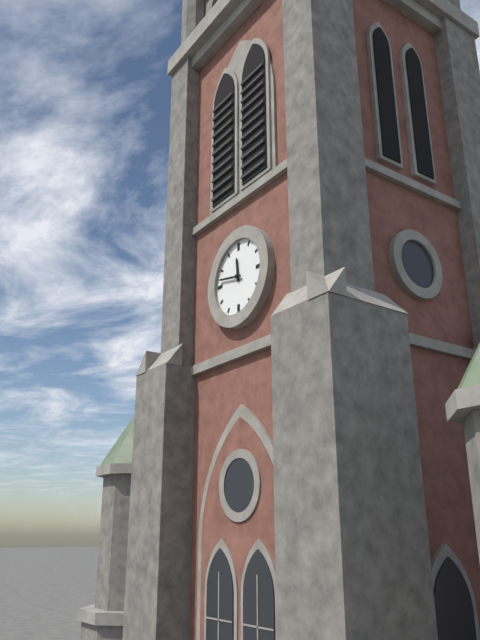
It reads 11,47
